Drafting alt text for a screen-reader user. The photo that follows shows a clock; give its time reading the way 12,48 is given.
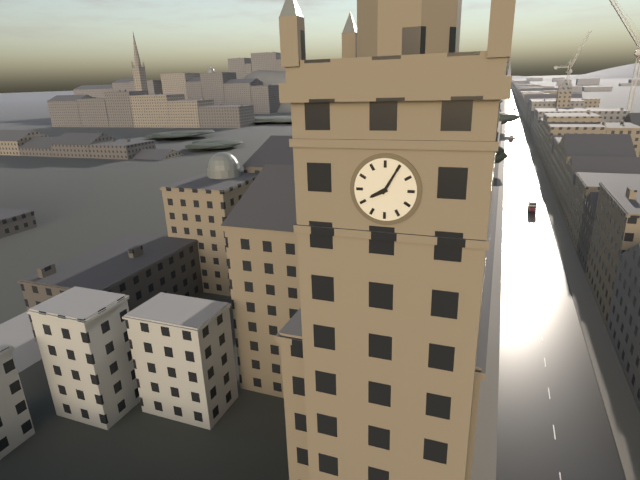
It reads 8,05
